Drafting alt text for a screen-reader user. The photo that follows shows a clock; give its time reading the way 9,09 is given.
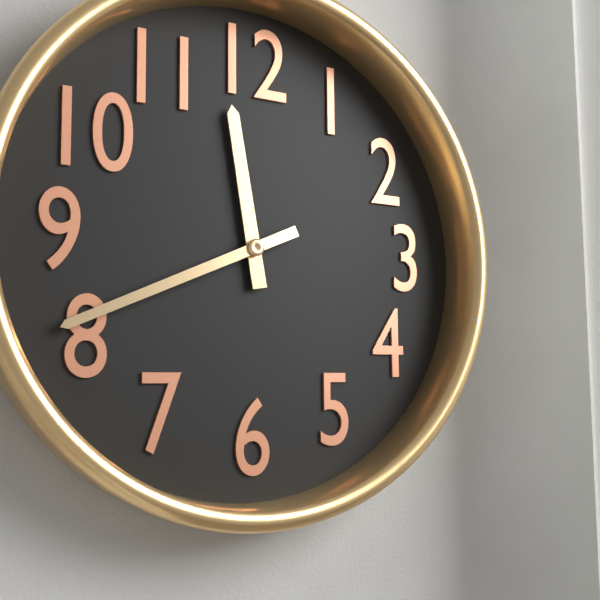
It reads 11,41
